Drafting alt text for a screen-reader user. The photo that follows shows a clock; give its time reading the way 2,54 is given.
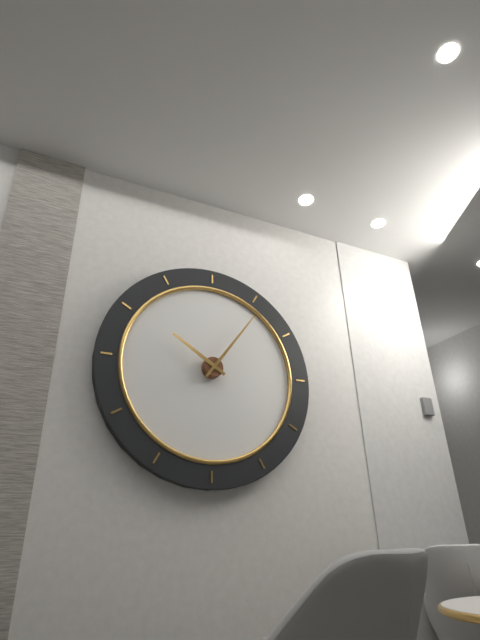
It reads 10,06
